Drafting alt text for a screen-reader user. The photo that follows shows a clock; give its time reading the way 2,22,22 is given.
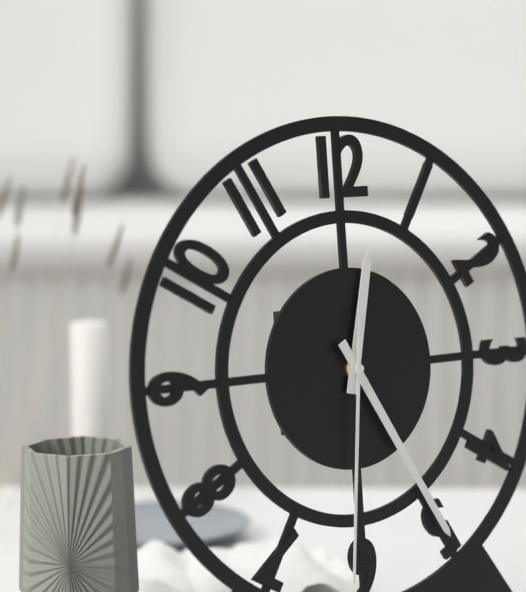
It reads 12,25,31
